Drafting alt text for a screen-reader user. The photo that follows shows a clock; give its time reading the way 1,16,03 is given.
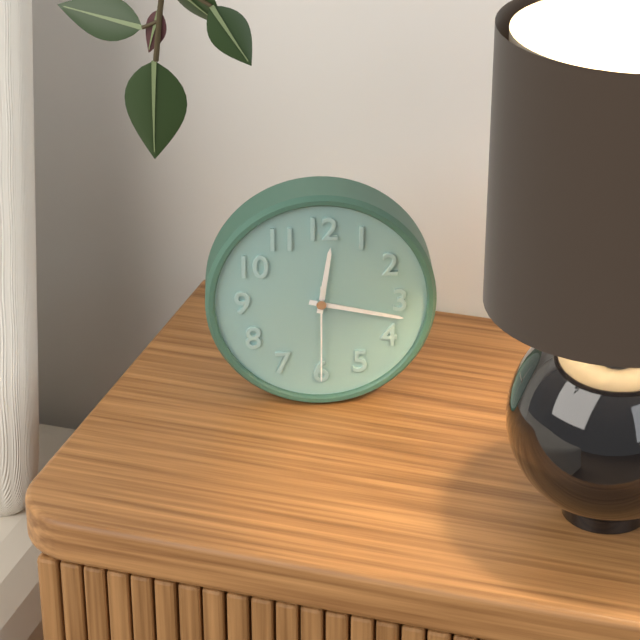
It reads 12,17,30
